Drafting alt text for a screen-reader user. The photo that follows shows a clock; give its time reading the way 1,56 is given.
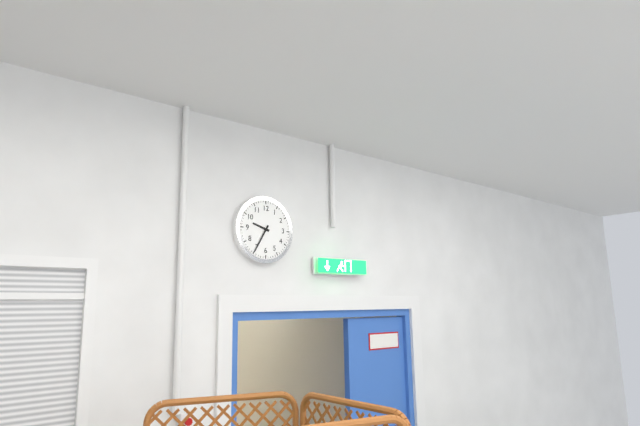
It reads 9,35
